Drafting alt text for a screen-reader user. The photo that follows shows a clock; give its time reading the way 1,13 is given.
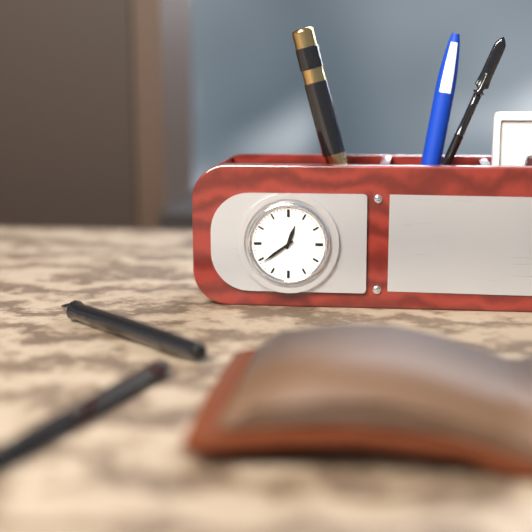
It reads 12,39
